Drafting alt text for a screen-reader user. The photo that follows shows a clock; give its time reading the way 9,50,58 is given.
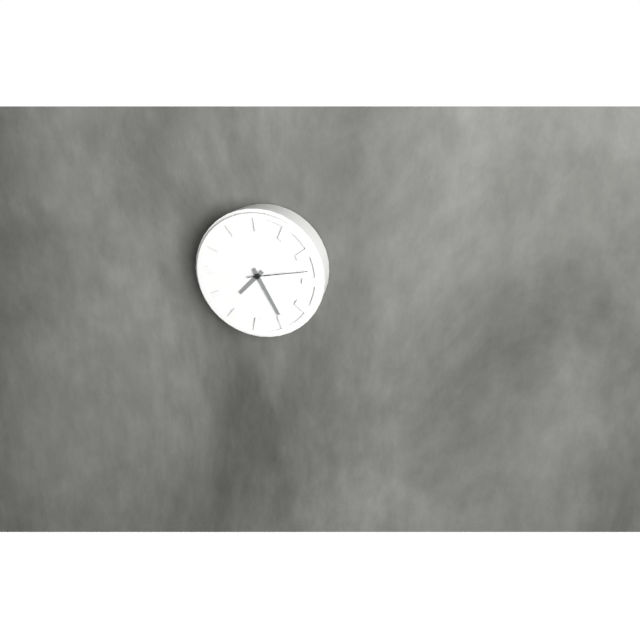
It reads 7,25,13
